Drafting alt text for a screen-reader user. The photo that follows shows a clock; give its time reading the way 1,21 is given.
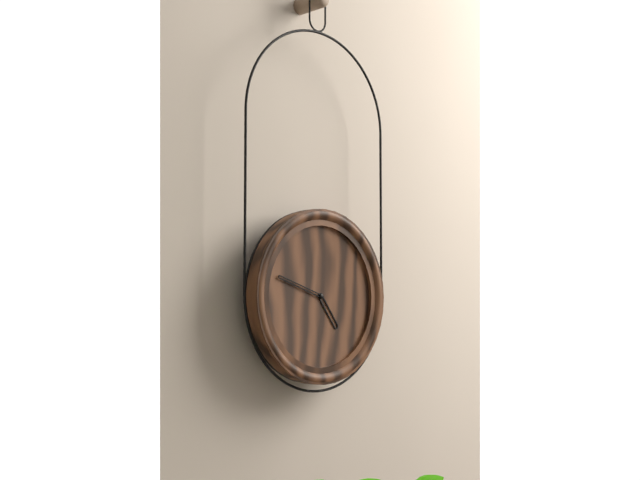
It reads 4,48
